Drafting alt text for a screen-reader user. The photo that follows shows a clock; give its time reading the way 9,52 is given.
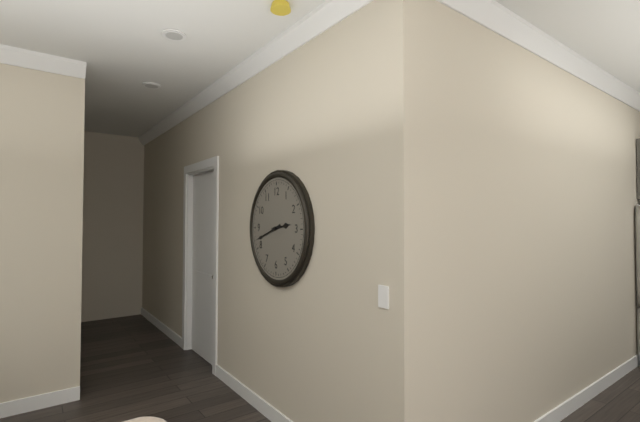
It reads 2,42
